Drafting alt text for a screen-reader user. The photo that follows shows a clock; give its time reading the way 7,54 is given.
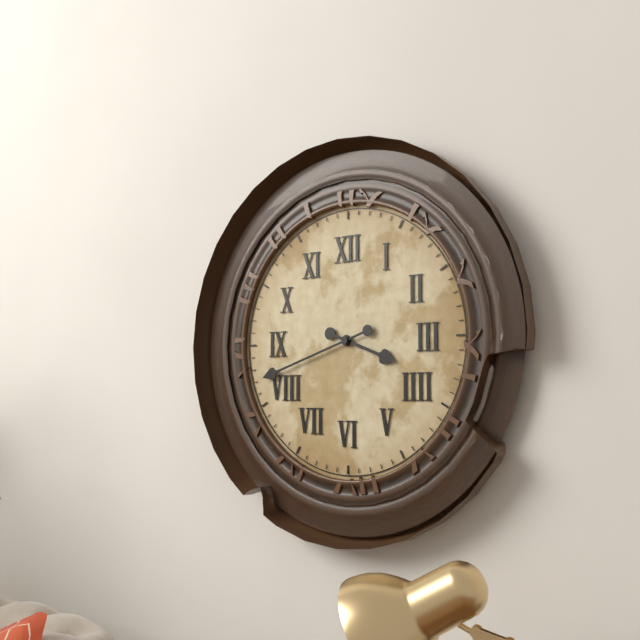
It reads 3,42
